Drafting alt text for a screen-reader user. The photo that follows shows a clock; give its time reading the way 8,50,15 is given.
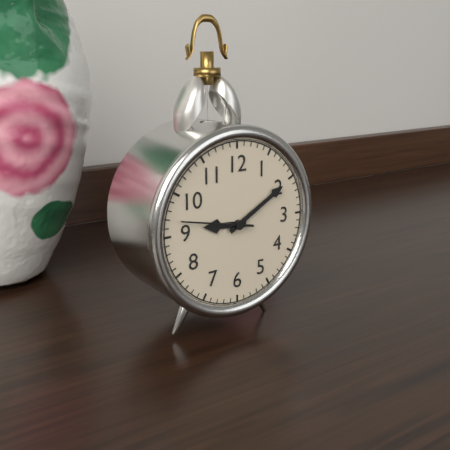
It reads 9,10,47
